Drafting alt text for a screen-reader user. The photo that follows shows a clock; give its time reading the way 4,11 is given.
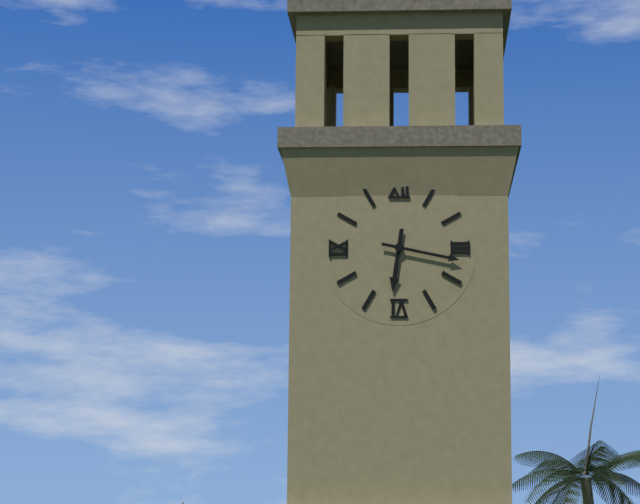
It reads 6,17
